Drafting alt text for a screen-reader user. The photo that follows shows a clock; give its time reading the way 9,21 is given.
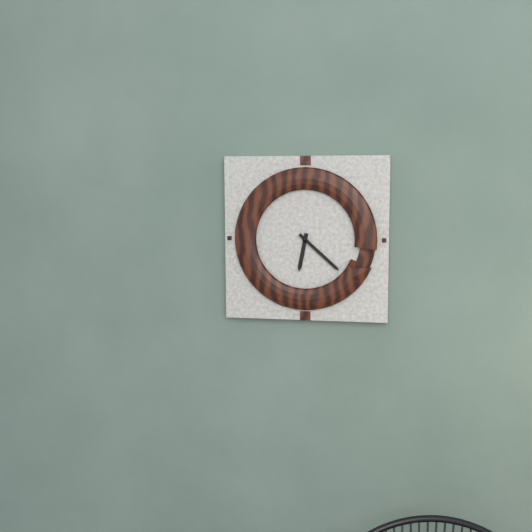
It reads 6,22
